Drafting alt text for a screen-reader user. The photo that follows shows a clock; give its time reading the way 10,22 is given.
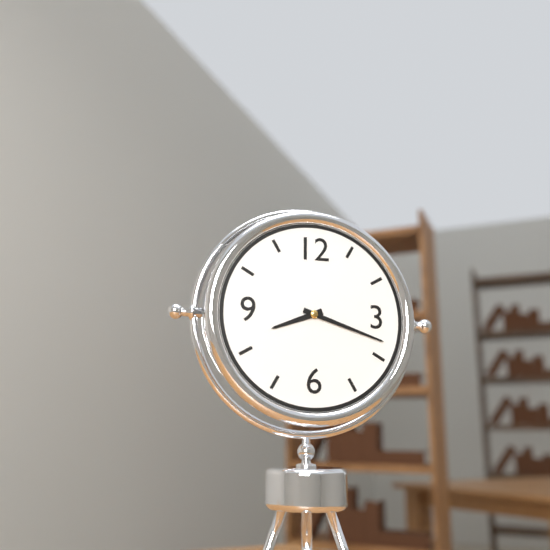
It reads 8,18
